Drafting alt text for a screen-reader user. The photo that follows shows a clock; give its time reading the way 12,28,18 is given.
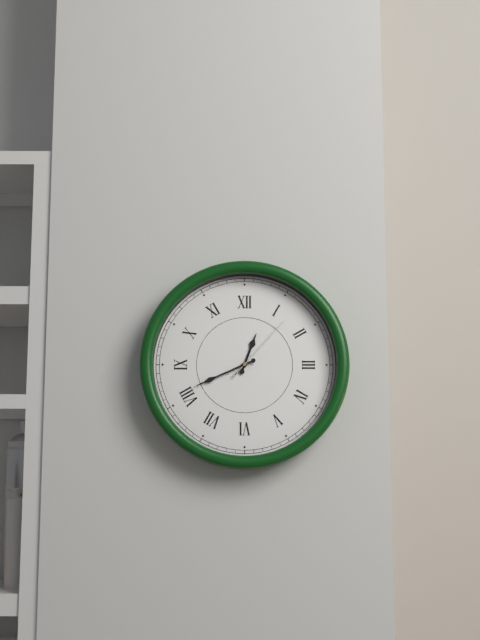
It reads 12,41,07
